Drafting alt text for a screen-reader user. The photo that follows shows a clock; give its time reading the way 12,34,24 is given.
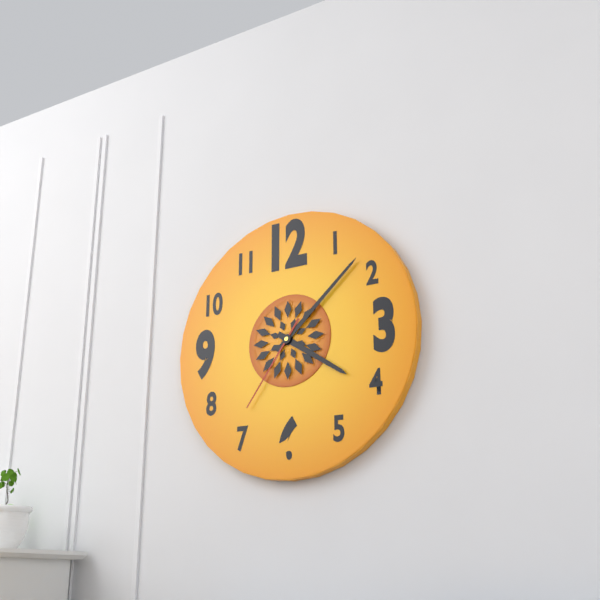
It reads 4,08,36
